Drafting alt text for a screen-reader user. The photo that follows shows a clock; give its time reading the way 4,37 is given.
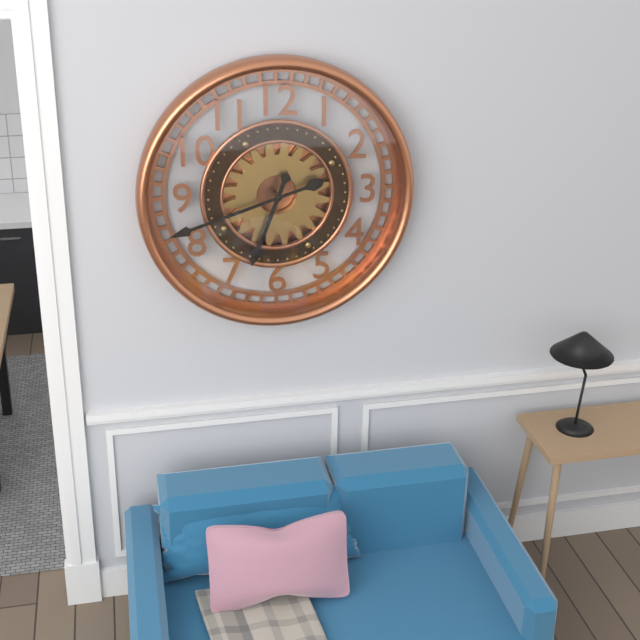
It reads 6,42
